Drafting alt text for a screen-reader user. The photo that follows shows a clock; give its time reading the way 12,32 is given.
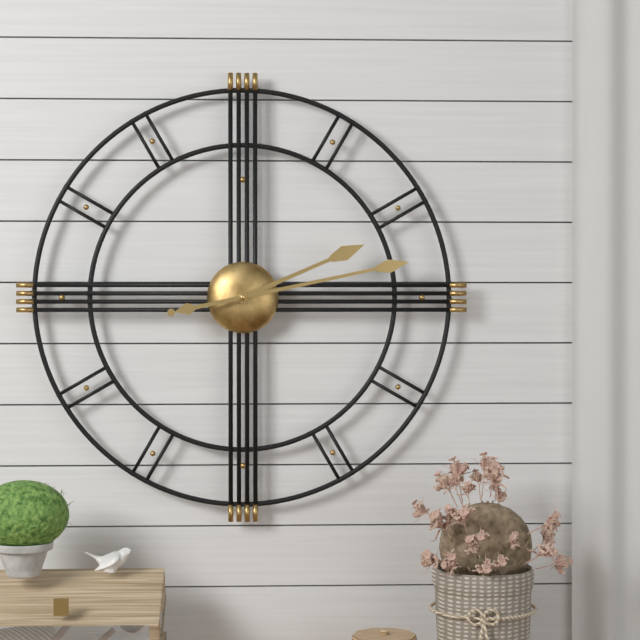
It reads 2,13
